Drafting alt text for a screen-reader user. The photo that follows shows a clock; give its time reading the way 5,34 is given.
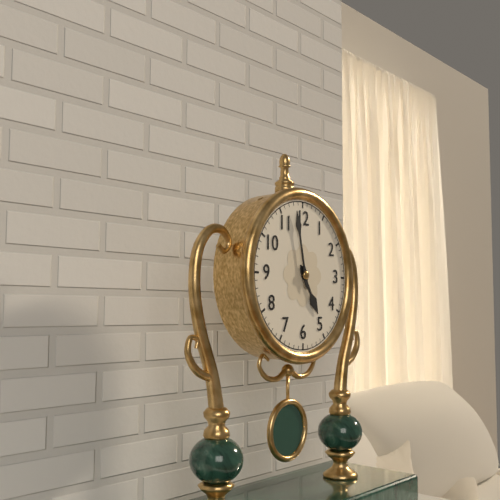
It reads 4,58
